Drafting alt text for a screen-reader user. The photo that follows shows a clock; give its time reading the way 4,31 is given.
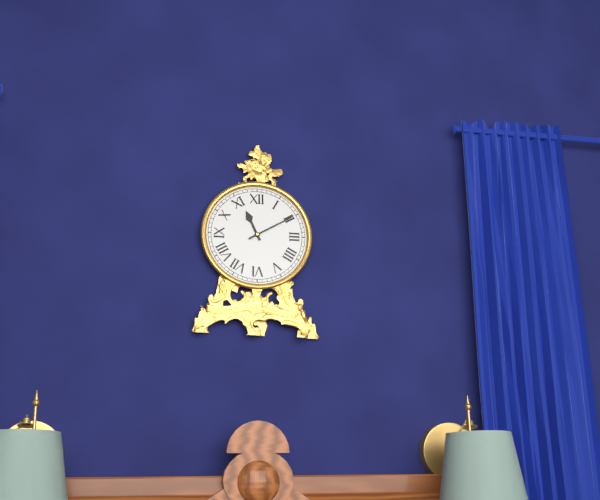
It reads 11,10
